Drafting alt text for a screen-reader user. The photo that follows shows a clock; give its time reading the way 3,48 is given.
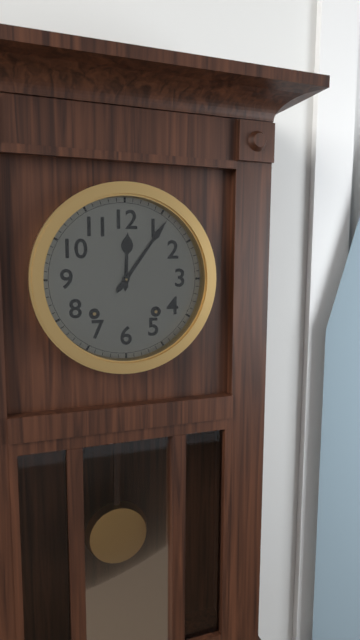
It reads 12,06
